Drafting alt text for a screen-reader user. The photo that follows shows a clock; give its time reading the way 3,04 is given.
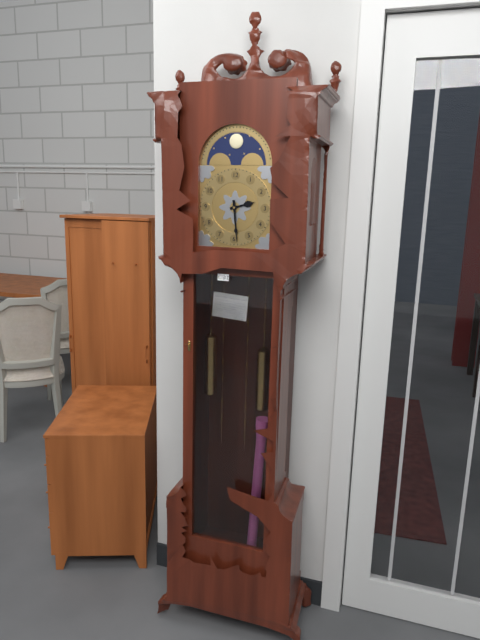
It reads 2,29
